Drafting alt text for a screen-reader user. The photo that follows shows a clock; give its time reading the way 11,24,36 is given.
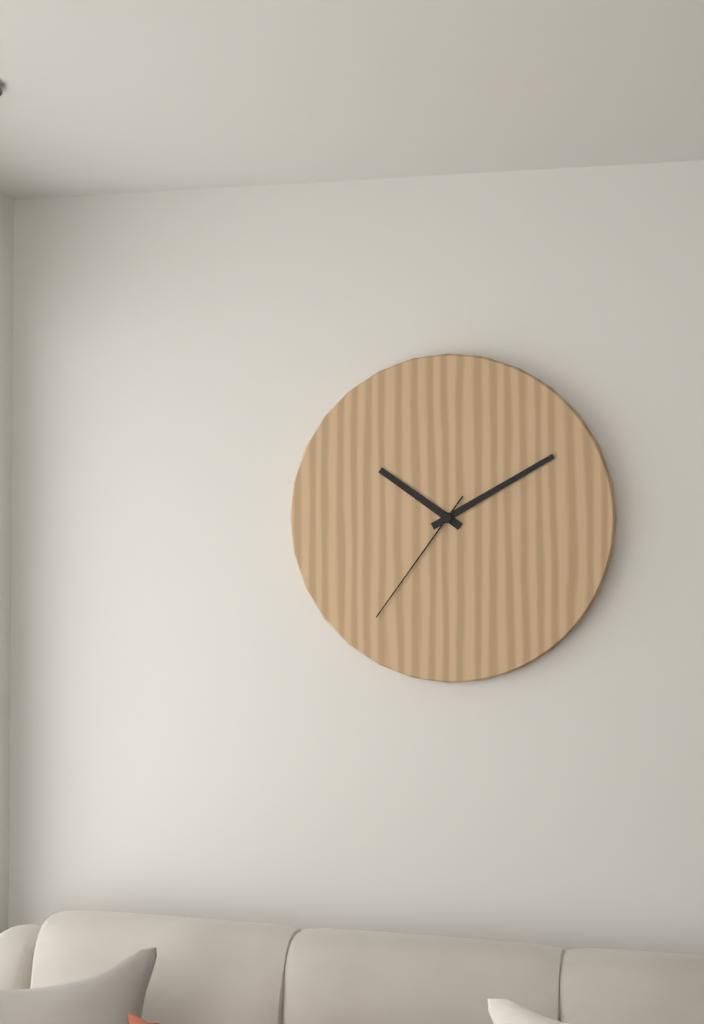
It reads 10,10,36
